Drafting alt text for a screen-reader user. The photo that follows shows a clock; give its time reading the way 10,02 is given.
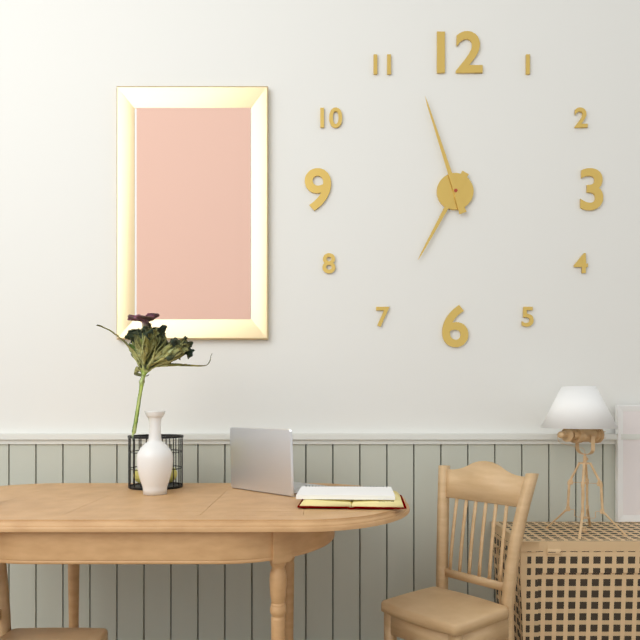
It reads 6,57
